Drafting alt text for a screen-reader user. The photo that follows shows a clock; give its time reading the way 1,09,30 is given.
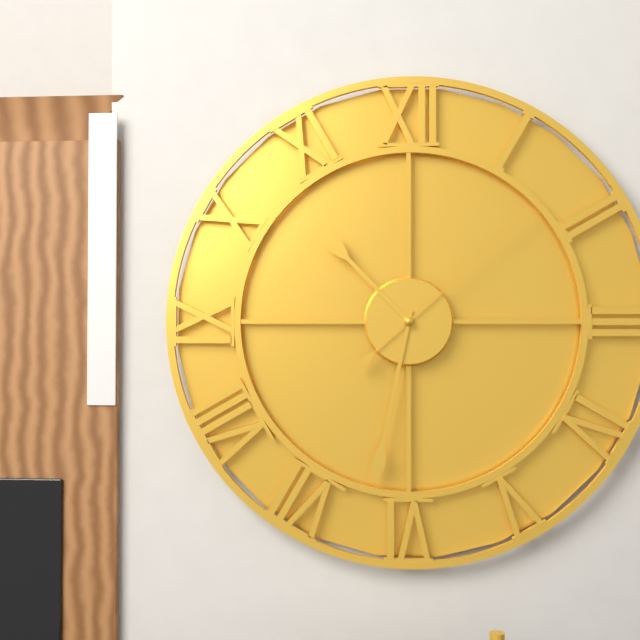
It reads 10,32,08
